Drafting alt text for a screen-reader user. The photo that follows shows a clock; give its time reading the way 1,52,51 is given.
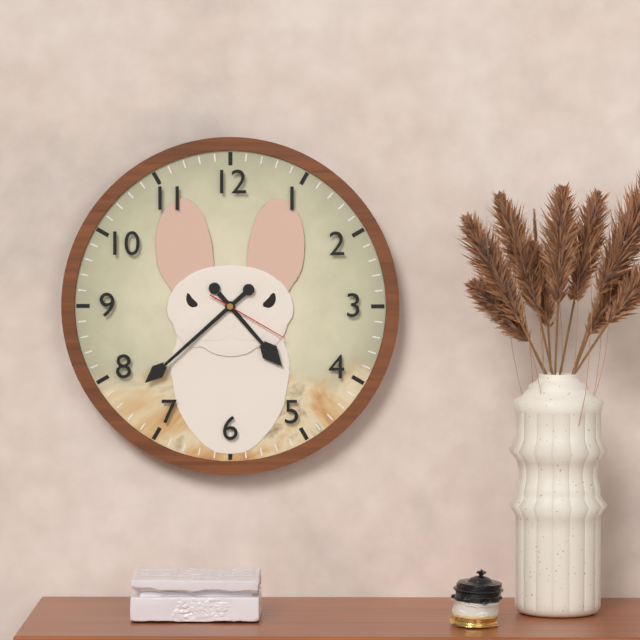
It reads 4,38,20
